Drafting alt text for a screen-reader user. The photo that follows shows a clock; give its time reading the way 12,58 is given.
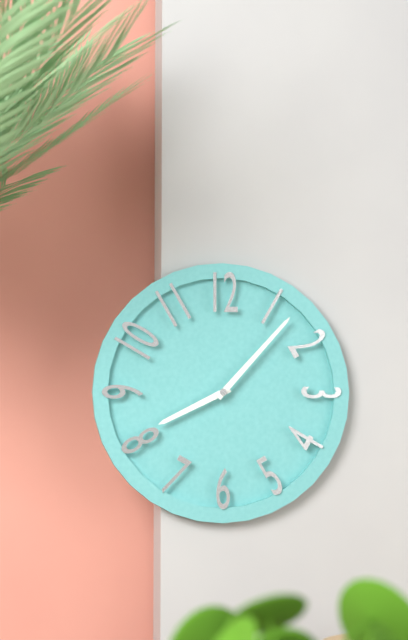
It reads 8,07
